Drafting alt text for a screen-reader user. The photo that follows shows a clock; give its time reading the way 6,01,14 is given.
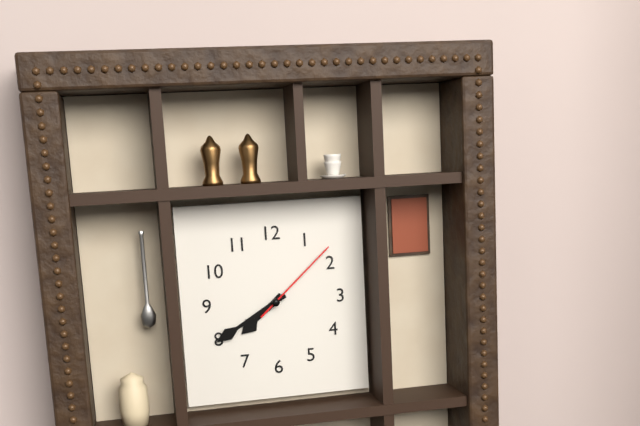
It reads 7,40,08
